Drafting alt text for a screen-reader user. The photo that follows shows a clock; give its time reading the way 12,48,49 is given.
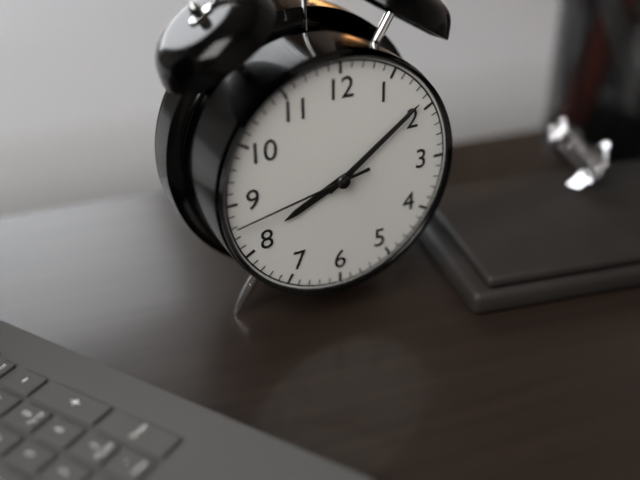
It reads 8,09,43
